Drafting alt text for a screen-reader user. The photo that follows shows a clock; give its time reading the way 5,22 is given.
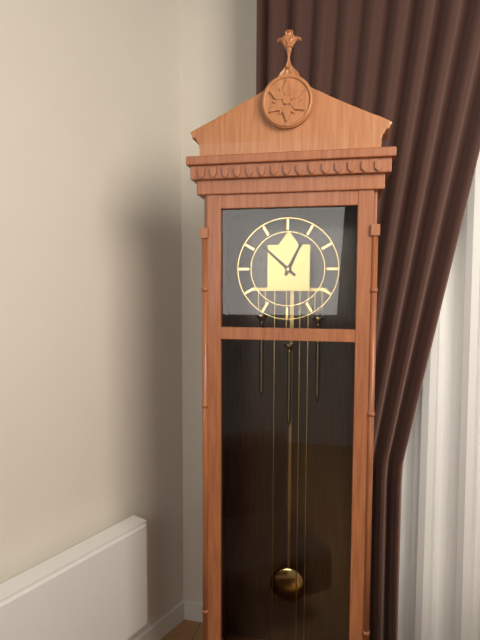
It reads 12,52
